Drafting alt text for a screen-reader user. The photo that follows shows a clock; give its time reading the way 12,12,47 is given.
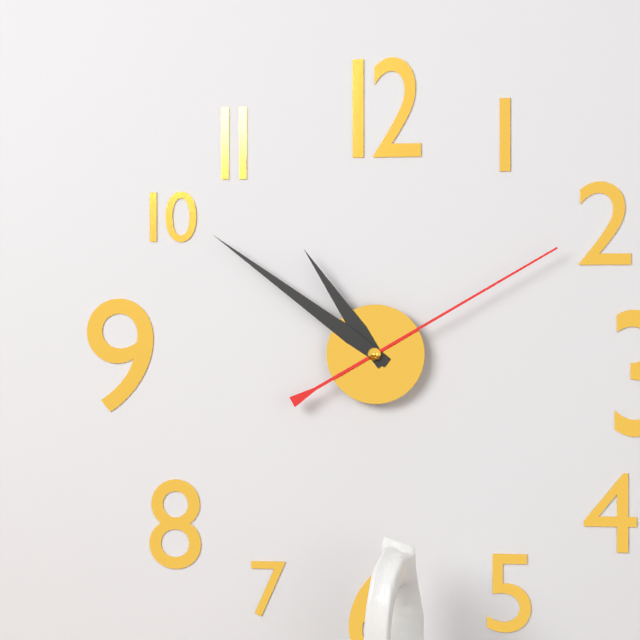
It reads 10,51,10
